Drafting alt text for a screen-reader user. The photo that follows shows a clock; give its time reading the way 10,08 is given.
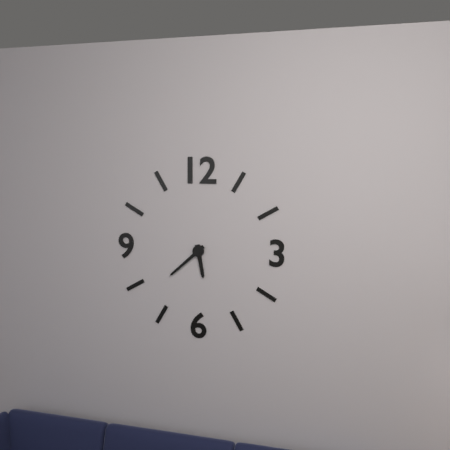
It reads 5,38
